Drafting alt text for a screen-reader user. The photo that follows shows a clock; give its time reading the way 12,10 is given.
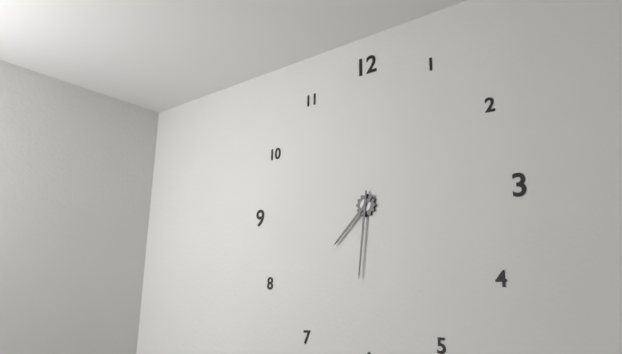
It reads 7,31
